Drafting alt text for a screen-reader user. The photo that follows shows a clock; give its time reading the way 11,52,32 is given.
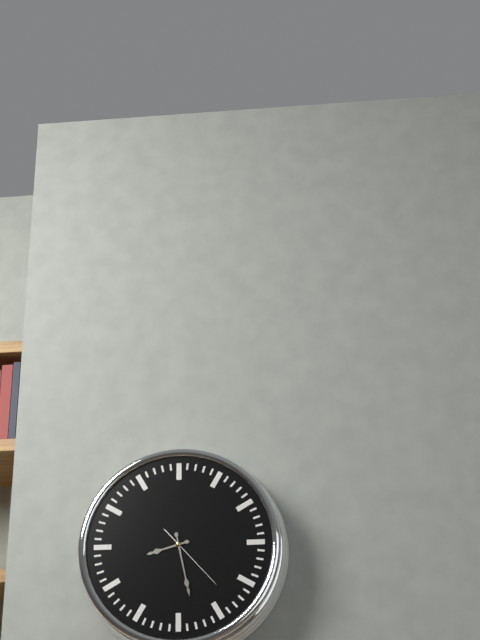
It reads 8,28,23
